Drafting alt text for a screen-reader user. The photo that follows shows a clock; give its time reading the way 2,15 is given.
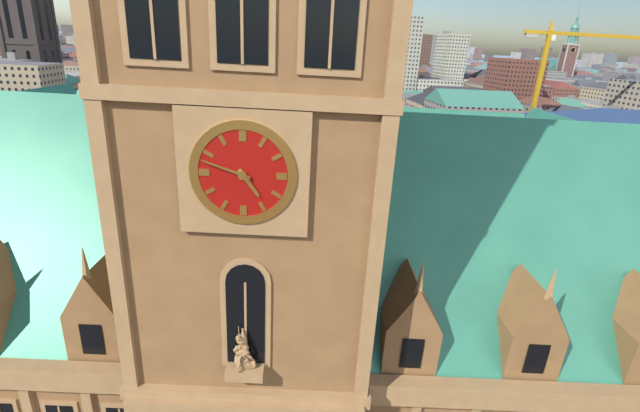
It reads 4,48
